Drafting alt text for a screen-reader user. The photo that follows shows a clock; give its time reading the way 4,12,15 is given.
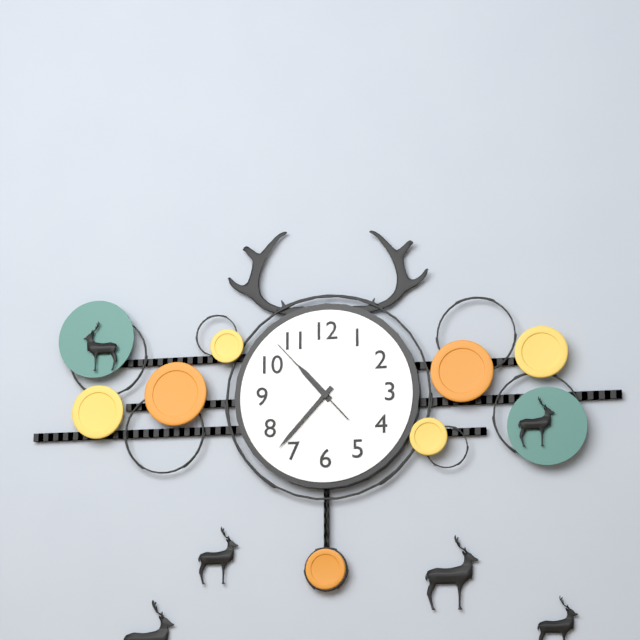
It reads 10,37,53
